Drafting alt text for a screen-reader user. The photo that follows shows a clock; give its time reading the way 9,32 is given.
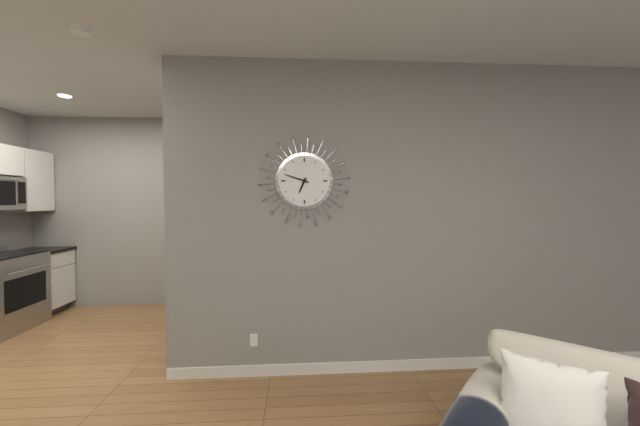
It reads 6,48
